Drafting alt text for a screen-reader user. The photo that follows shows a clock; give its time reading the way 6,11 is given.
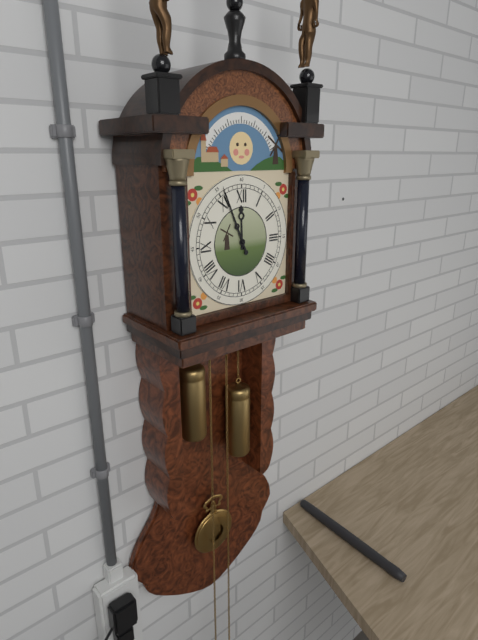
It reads 11,56
